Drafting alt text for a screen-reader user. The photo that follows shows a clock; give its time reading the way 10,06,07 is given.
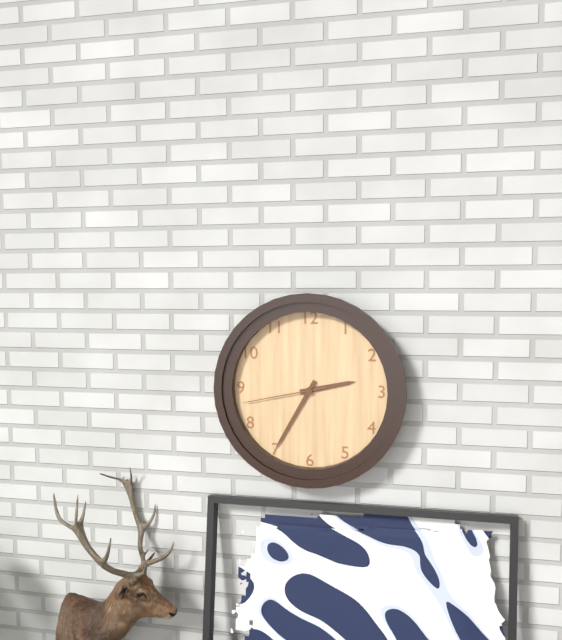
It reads 2,35,43
